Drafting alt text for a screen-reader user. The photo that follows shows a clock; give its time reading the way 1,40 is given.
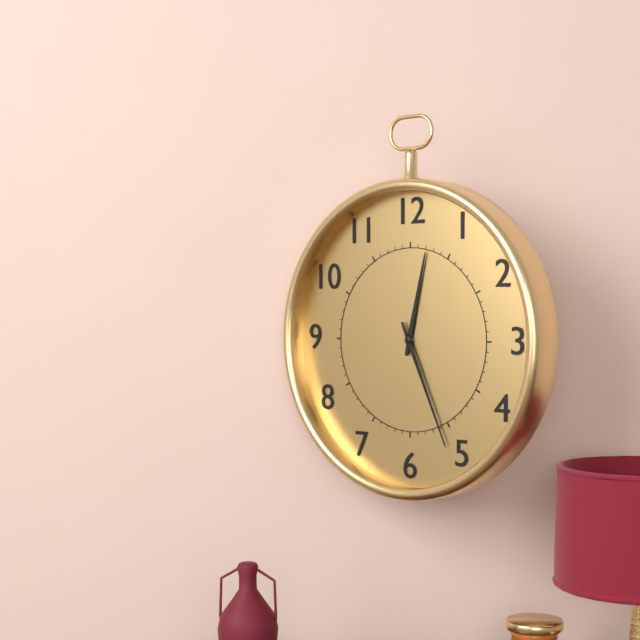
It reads 12,26
